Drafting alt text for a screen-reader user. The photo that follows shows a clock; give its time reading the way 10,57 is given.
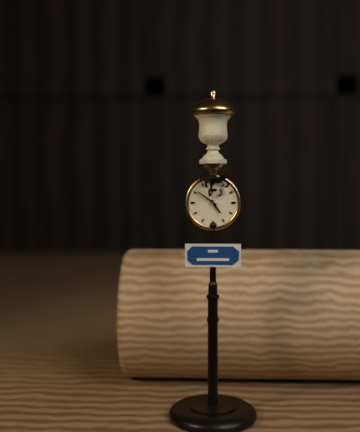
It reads 4,51
